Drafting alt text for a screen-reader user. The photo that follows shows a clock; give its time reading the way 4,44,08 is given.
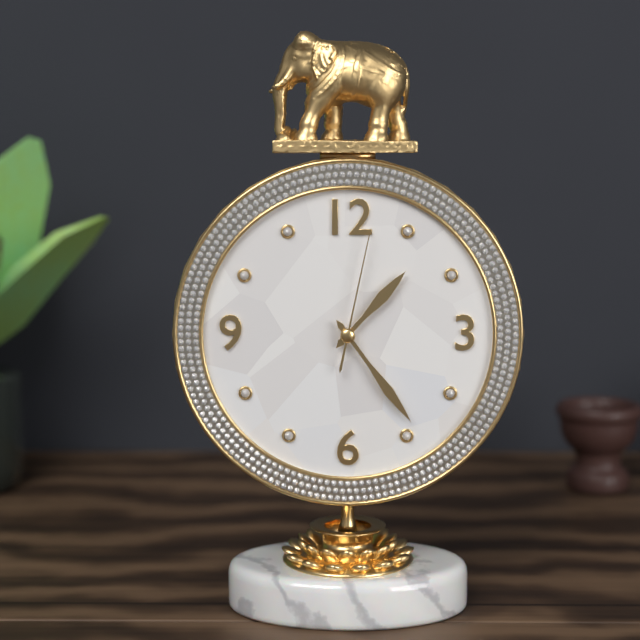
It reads 1,24,02
